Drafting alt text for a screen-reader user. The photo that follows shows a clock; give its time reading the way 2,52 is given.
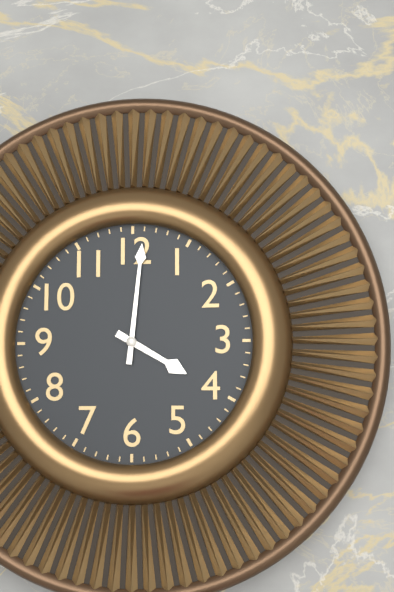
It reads 4,01
